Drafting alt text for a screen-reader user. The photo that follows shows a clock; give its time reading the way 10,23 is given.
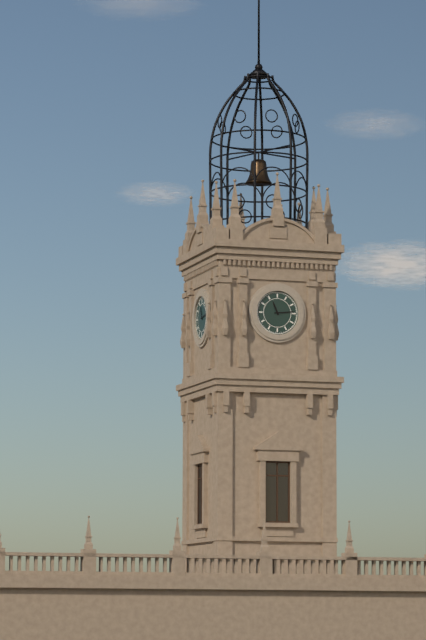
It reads 11,14
